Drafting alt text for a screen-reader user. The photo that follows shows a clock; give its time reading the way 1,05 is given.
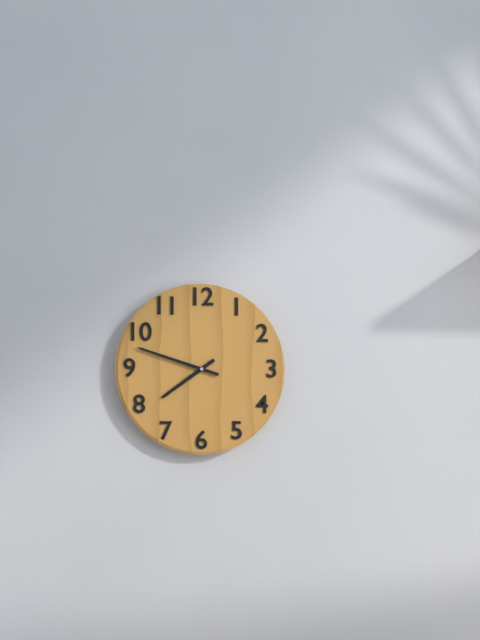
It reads 7,48
